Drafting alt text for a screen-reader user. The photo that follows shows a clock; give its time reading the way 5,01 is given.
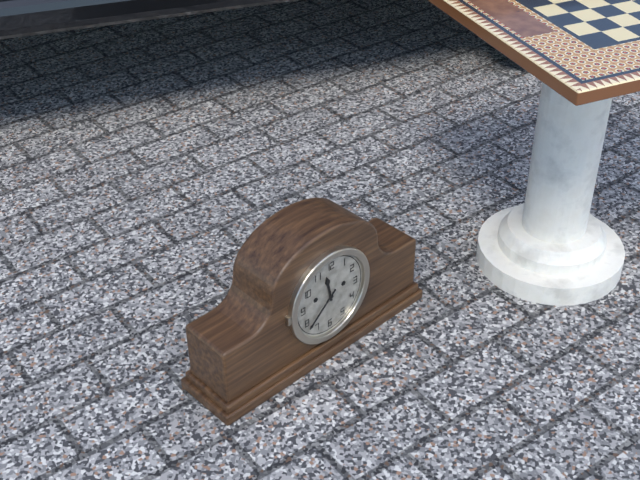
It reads 11,38
